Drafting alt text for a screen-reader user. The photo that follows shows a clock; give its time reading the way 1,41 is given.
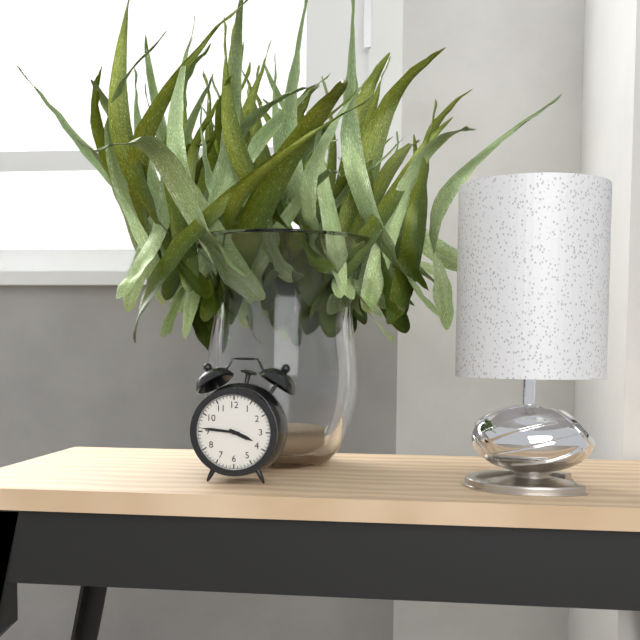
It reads 3,46
